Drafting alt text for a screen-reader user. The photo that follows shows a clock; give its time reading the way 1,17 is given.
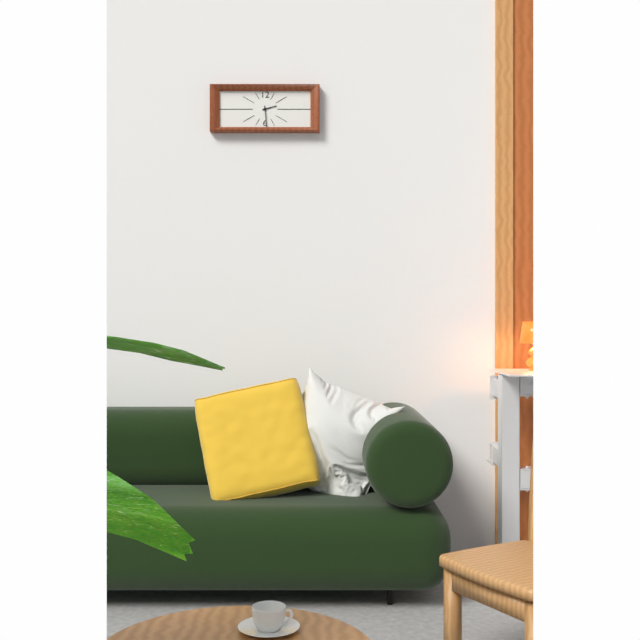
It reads 2,29
